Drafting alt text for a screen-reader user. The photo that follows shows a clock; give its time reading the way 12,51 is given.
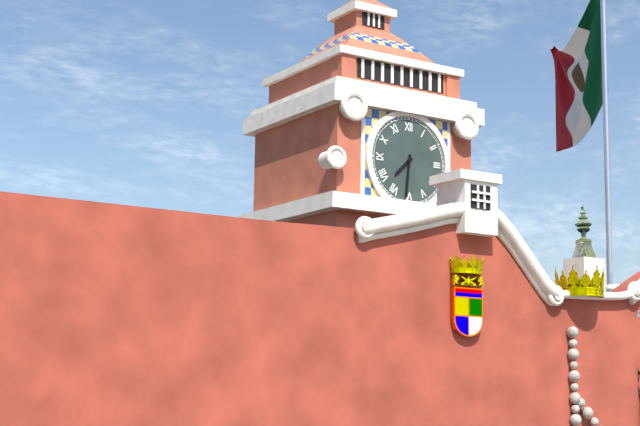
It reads 7,31
